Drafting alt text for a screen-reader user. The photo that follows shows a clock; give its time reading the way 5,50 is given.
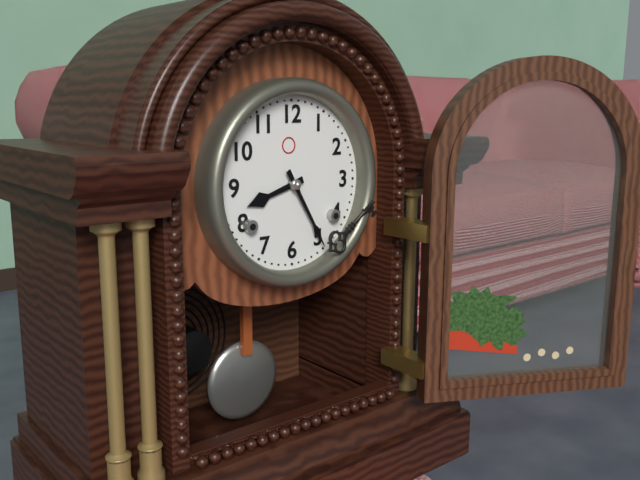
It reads 8,25
